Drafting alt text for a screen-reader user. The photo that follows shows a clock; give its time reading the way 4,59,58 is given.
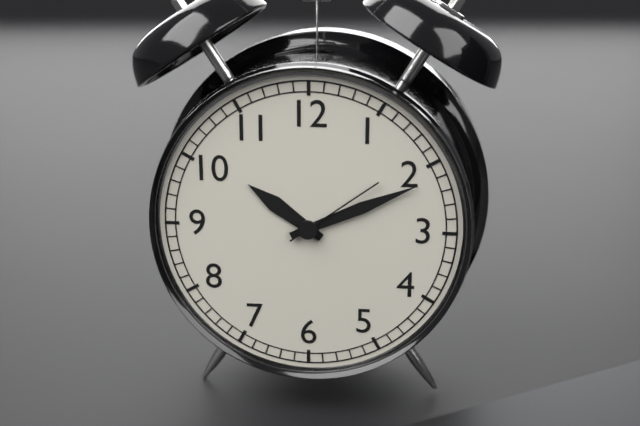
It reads 10,11,09
